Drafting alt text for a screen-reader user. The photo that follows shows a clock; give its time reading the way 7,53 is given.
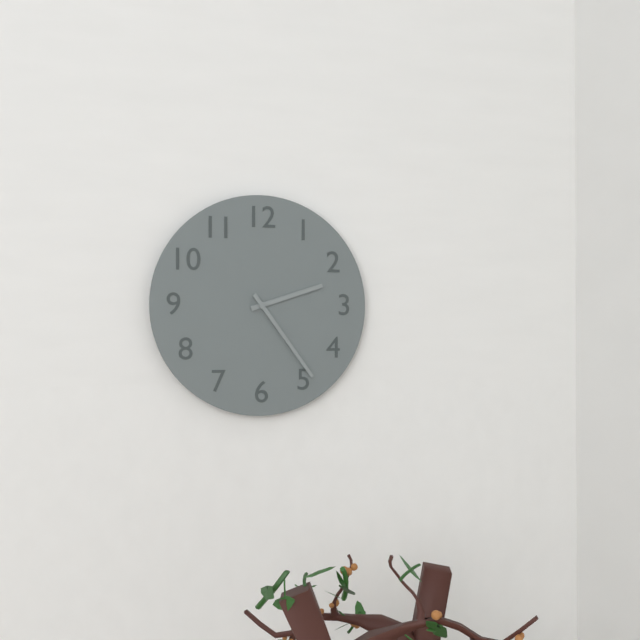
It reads 2,24
